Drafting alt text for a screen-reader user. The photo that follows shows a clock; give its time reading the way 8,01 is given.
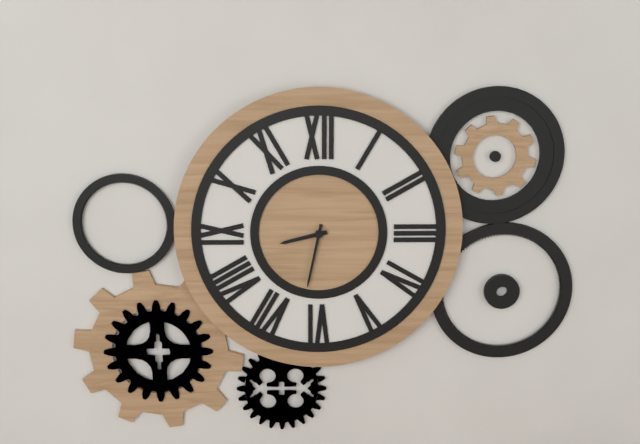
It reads 8,32
